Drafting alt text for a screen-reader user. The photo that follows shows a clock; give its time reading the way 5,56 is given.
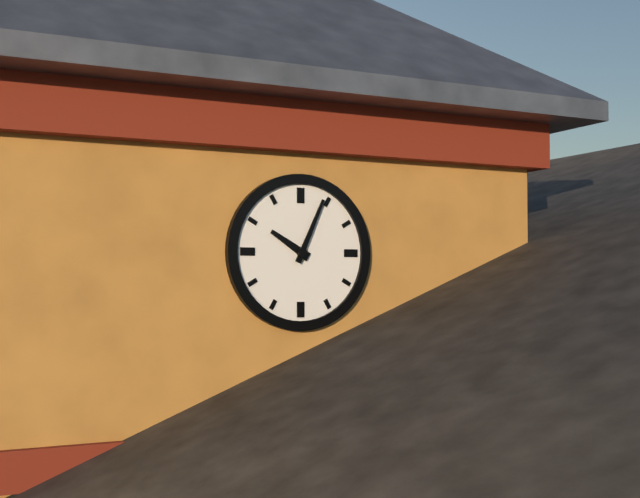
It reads 10,04
